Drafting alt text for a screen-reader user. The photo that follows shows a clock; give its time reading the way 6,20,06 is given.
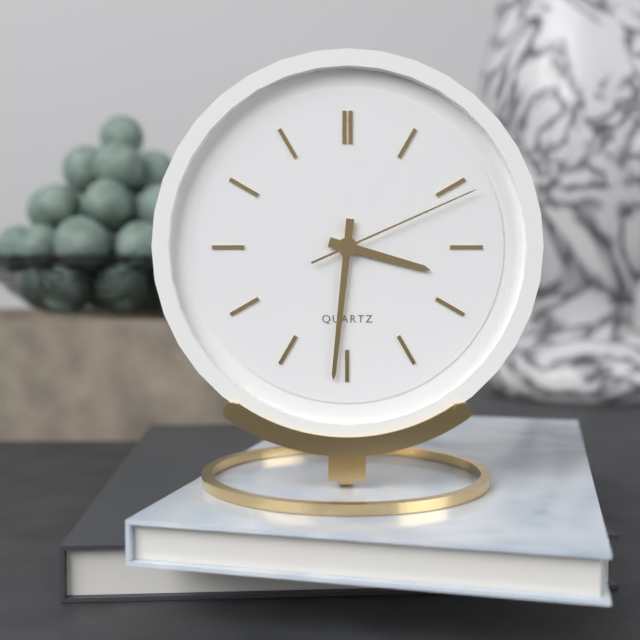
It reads 3,31,11
